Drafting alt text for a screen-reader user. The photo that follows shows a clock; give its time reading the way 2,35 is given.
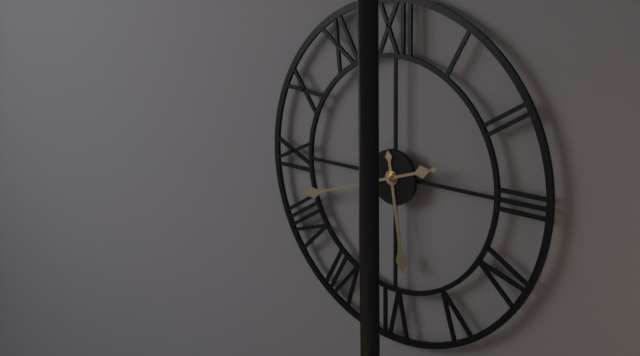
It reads 5,42
